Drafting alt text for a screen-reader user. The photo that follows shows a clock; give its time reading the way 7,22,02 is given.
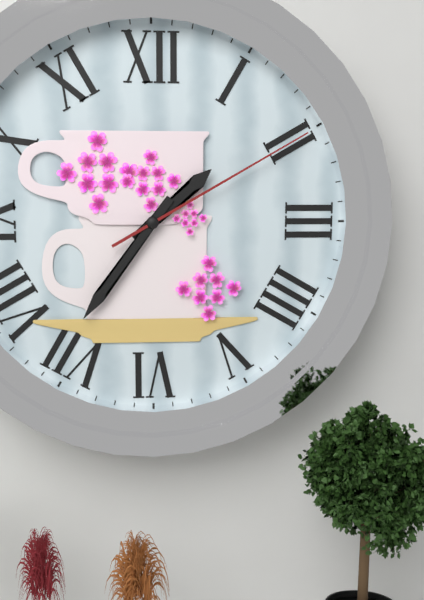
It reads 1,36,10
